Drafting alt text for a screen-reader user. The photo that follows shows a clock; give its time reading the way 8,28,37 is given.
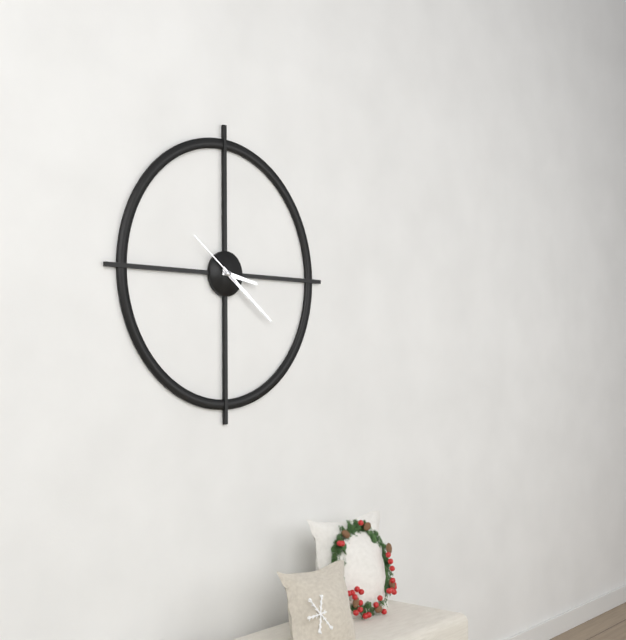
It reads 3,21,51
